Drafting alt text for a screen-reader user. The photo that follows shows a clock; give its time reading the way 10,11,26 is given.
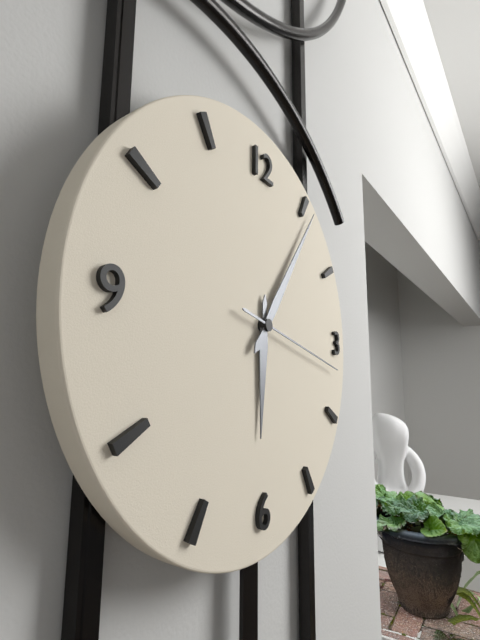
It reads 6,06,17
